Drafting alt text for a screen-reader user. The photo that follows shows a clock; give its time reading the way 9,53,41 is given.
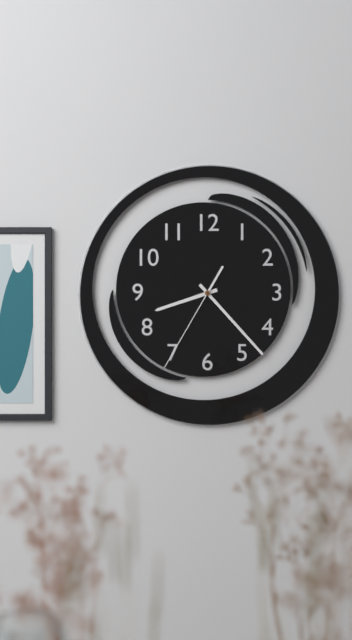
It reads 8,23,35
